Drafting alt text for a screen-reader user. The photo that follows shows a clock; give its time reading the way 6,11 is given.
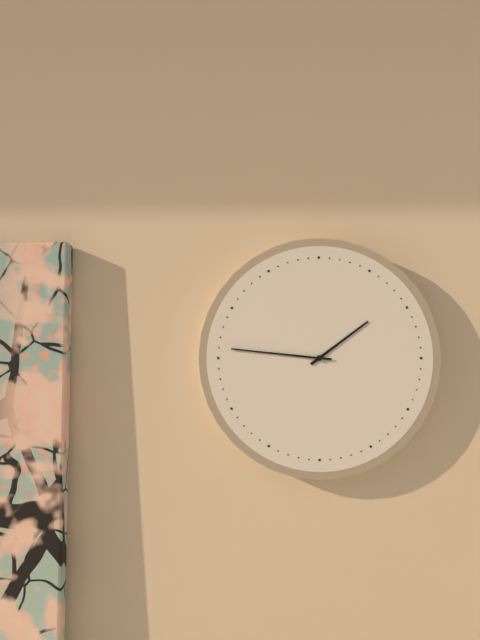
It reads 1,46
